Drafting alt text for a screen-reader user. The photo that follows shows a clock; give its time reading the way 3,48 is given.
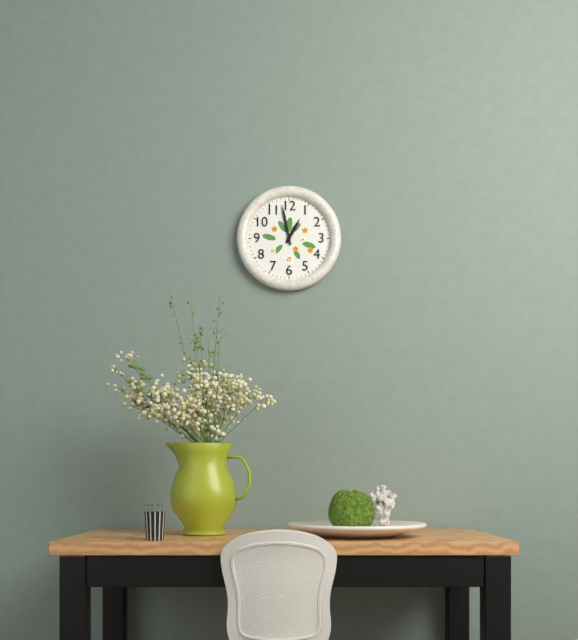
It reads 12,58
